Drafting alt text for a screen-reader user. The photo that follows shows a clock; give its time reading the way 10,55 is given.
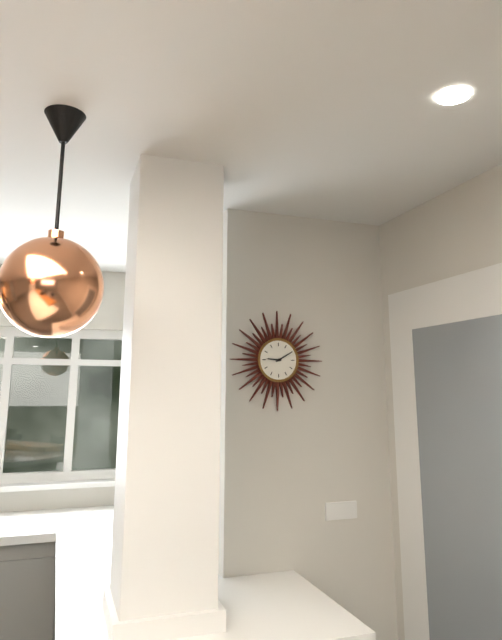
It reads 9,10
